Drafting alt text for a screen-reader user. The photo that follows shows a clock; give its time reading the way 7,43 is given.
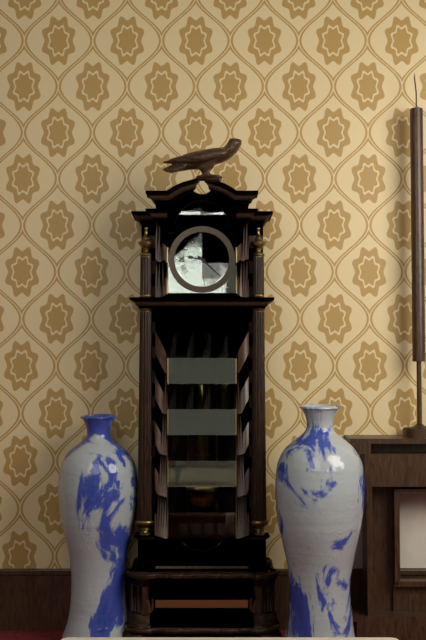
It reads 9,22
